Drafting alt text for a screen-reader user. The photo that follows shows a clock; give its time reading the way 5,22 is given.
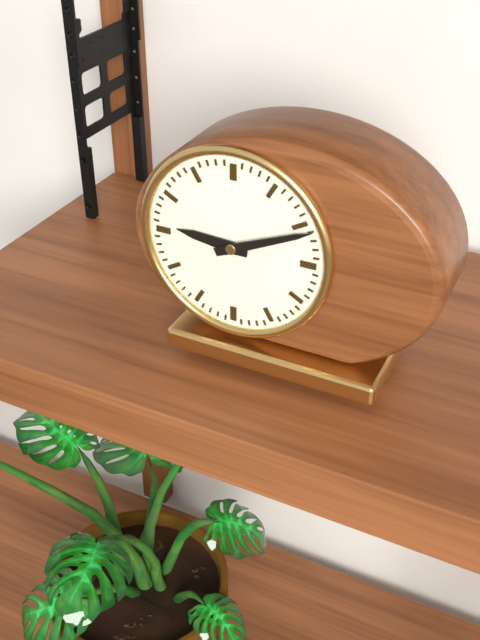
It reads 9,11
